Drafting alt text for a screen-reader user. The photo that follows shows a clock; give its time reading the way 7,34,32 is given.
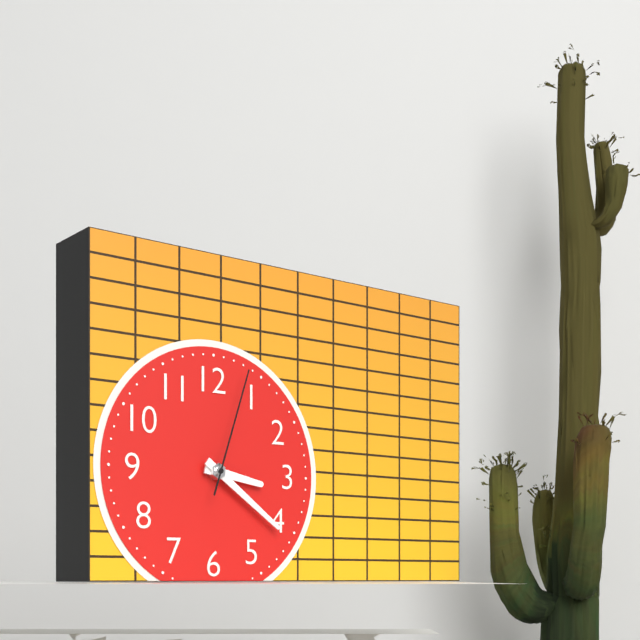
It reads 3,21,03
